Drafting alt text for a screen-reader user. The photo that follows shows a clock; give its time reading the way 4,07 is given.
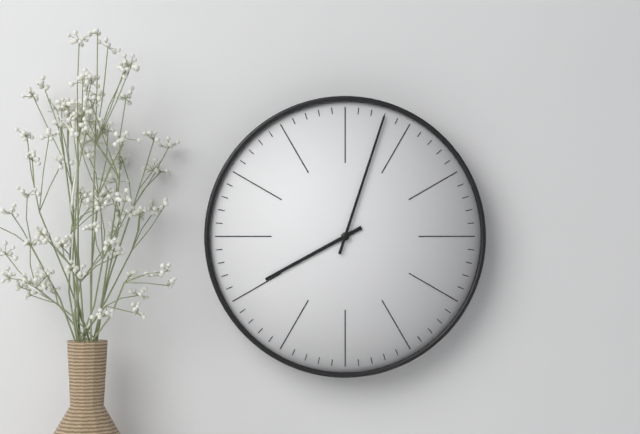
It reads 8,03
